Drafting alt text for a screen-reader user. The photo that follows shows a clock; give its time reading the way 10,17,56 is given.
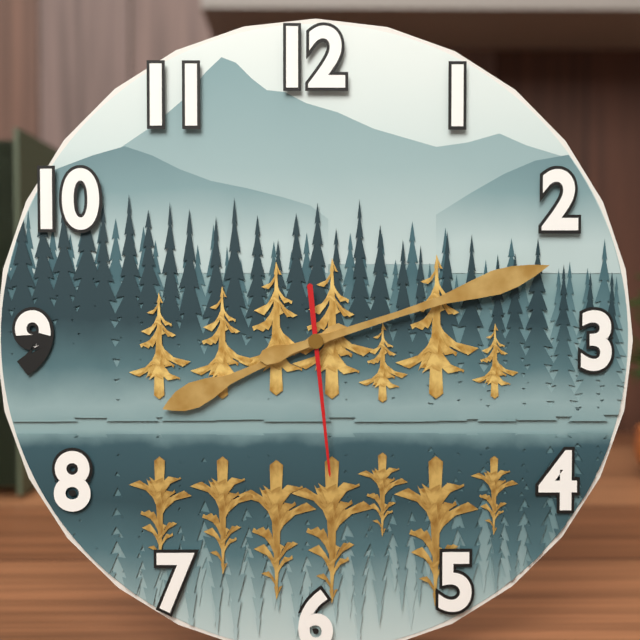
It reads 8,12,29
